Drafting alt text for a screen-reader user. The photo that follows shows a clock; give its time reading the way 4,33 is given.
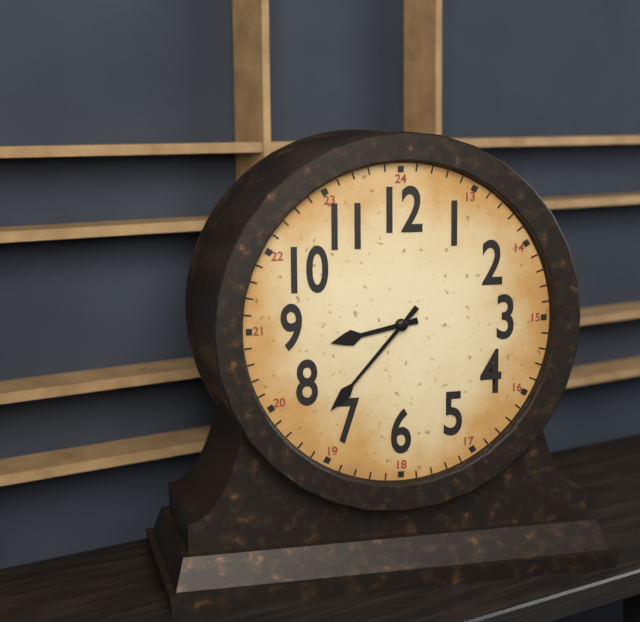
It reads 8,37
